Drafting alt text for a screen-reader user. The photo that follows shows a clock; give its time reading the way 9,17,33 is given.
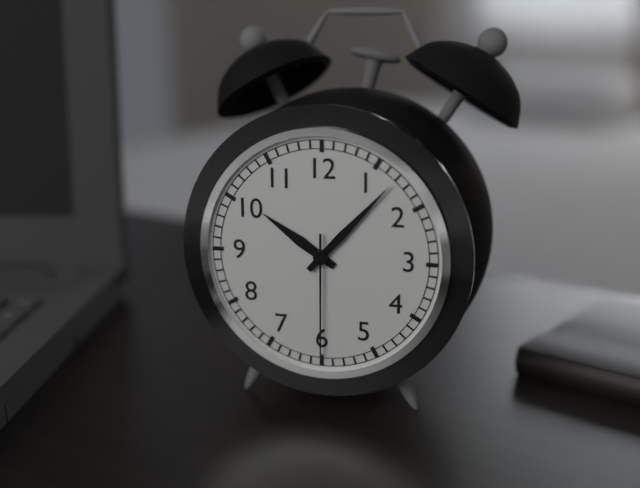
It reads 10,07,30
